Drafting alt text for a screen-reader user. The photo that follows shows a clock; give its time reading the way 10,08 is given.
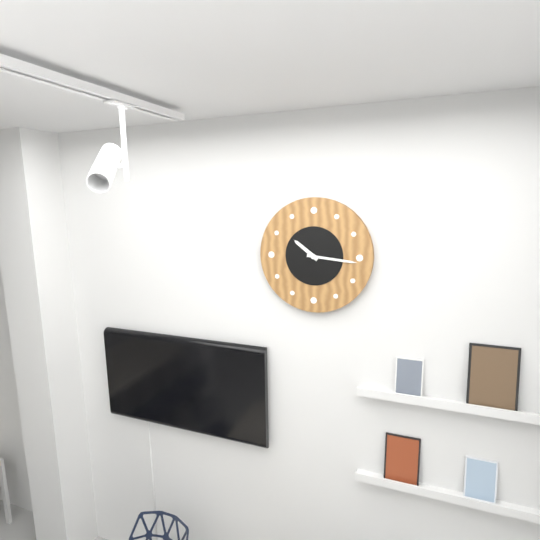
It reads 10,16
